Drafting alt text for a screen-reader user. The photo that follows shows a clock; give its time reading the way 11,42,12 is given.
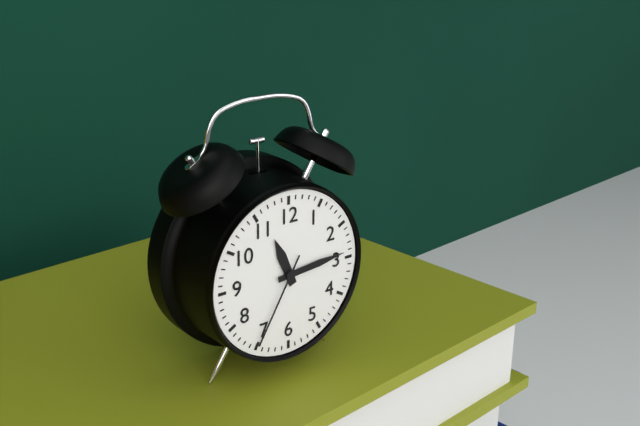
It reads 11,14,35
